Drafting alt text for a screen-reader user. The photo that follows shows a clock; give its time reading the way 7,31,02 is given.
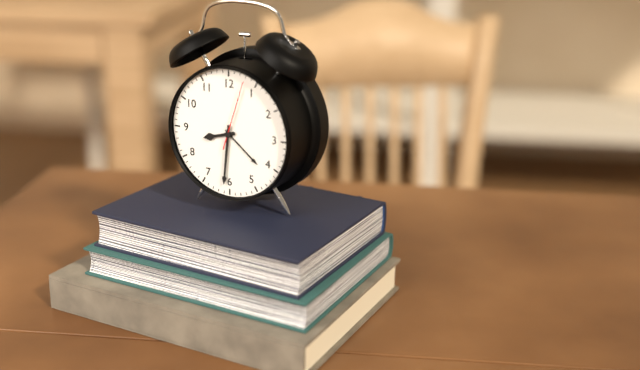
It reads 8,31,03
